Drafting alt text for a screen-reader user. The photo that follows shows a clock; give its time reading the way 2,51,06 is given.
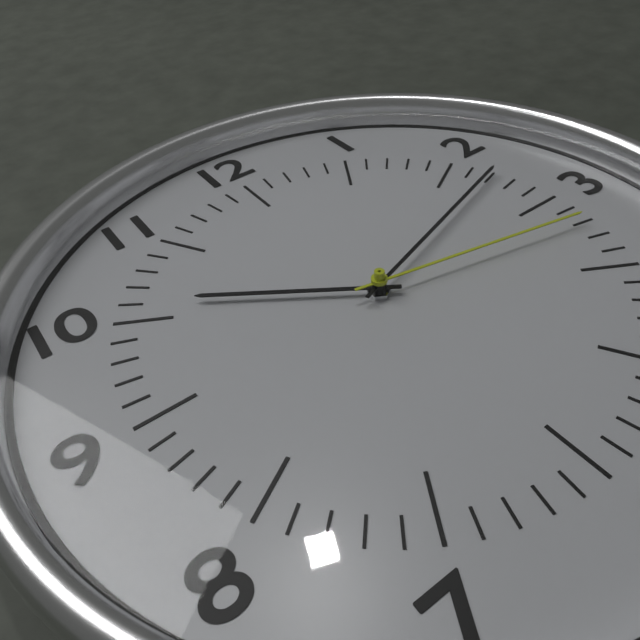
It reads 10,12,17
